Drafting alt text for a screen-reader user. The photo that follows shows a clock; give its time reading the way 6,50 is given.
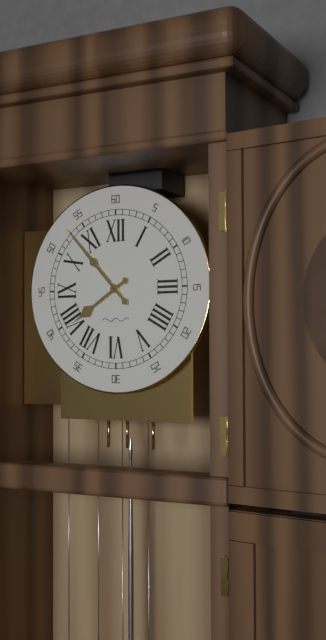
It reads 7,53
